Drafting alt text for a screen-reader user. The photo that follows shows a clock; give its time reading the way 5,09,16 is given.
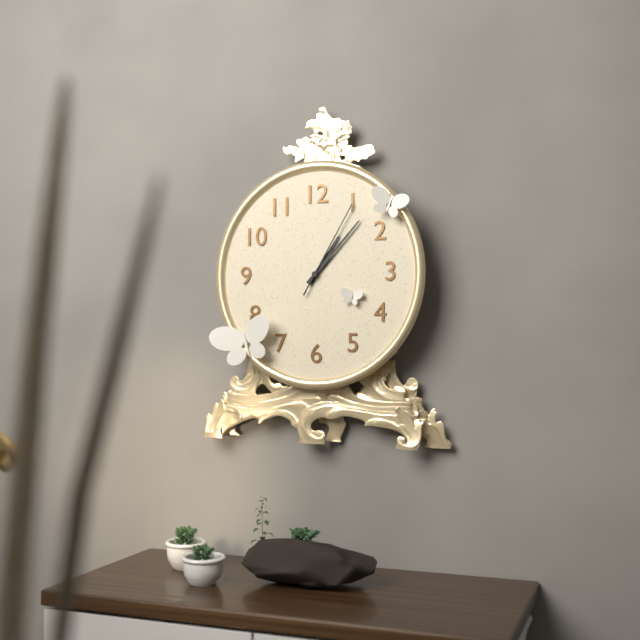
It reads 1,07,05
